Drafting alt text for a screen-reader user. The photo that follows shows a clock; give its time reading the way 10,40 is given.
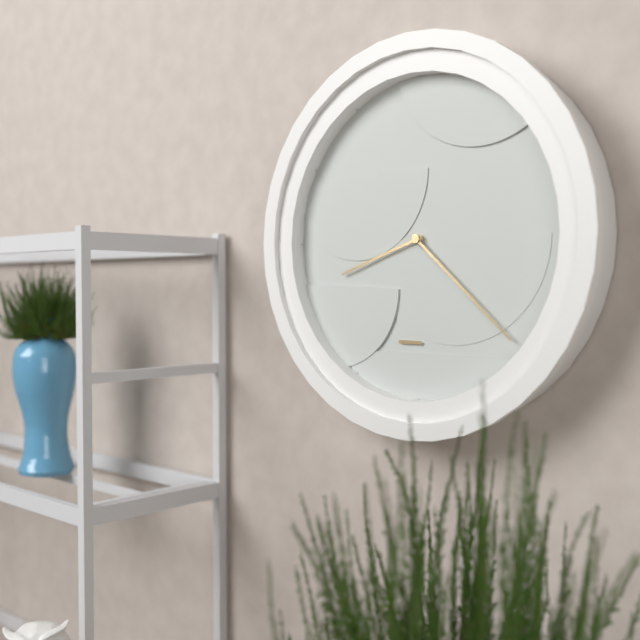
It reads 8,22
